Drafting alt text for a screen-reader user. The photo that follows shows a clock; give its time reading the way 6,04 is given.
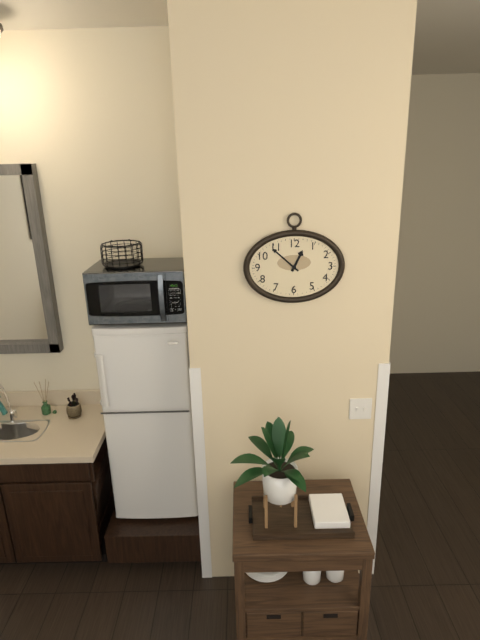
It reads 12,52
